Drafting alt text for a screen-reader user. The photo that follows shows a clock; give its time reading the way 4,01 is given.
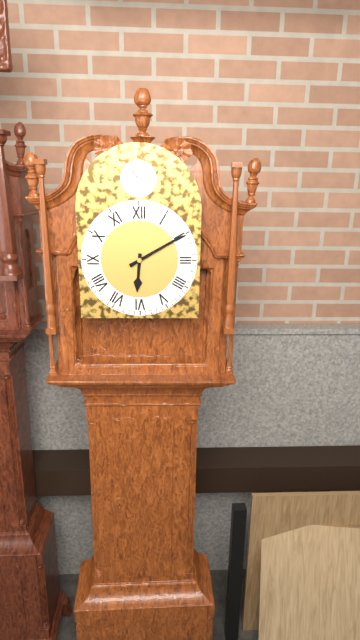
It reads 6,10
